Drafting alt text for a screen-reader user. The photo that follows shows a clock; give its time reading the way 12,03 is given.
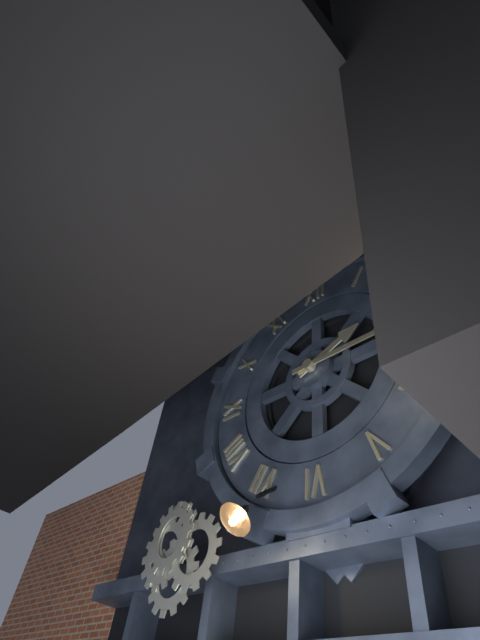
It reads 2,15
